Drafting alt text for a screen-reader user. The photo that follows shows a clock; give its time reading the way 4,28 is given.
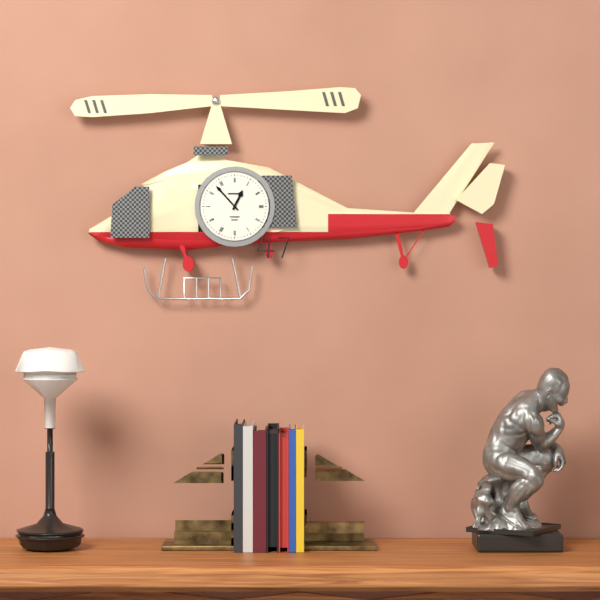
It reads 12,53
